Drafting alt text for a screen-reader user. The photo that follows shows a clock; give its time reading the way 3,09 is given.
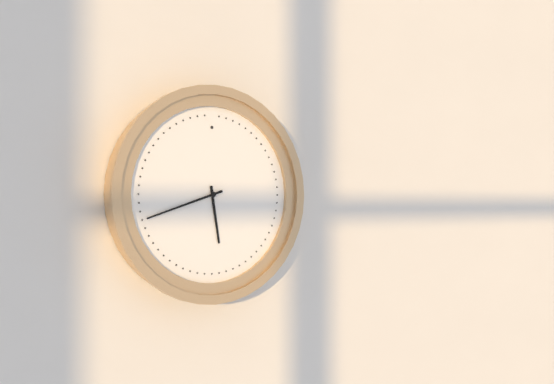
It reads 5,42
